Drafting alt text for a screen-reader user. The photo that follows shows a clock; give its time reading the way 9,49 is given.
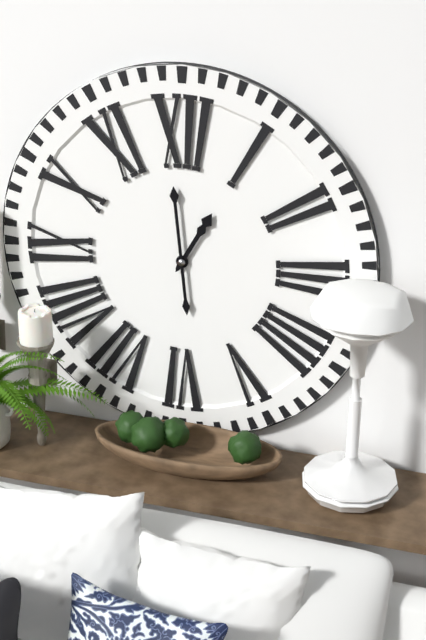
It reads 12,59
